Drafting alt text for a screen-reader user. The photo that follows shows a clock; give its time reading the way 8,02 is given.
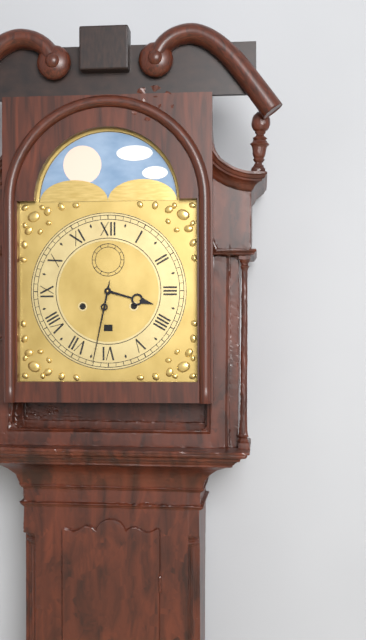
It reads 3,32
